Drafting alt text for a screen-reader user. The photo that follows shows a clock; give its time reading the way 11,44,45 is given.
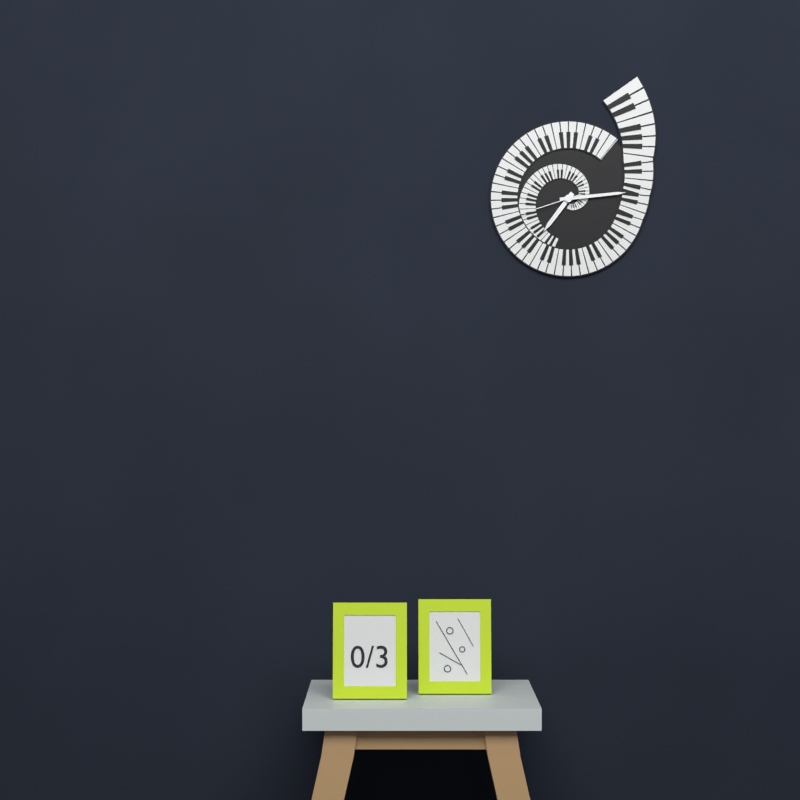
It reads 7,14,42
